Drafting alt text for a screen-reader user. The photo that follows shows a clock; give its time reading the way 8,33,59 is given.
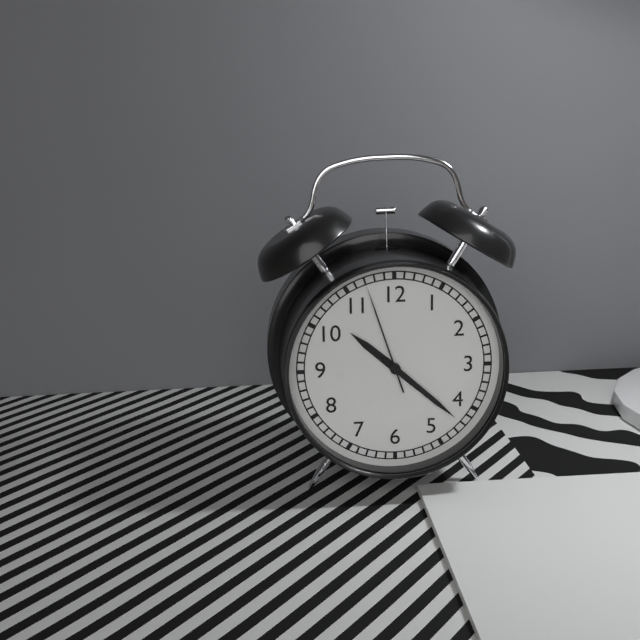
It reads 10,22,57
